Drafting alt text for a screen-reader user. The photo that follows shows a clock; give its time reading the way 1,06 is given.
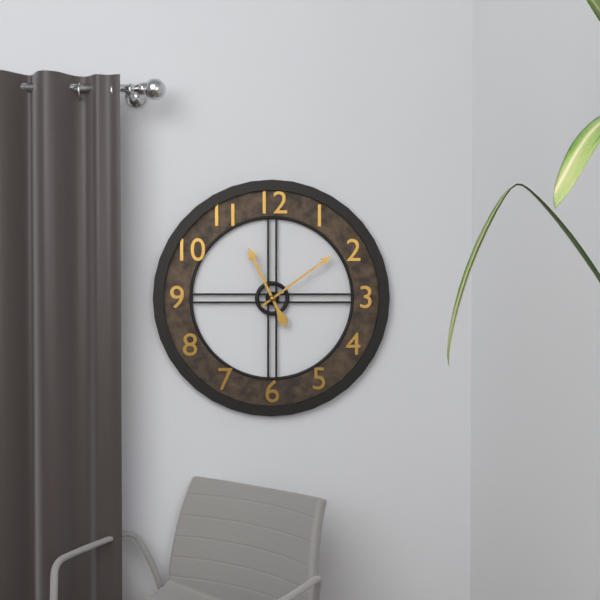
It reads 11,09
